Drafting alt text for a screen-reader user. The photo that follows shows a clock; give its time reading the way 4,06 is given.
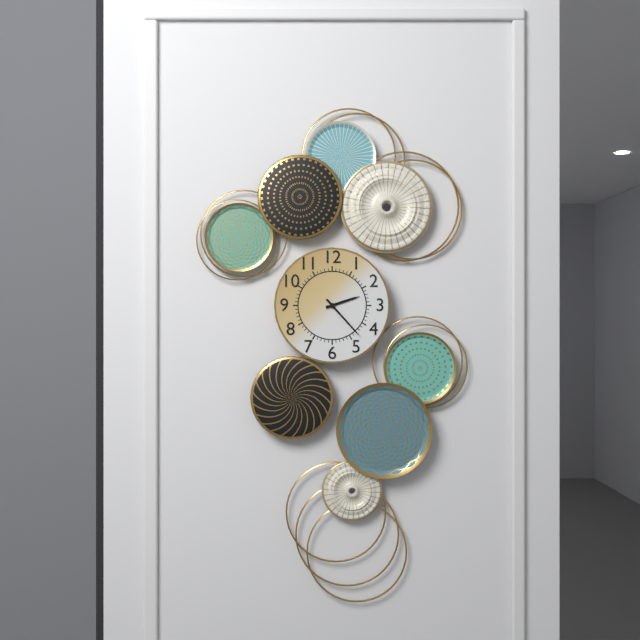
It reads 2,23
